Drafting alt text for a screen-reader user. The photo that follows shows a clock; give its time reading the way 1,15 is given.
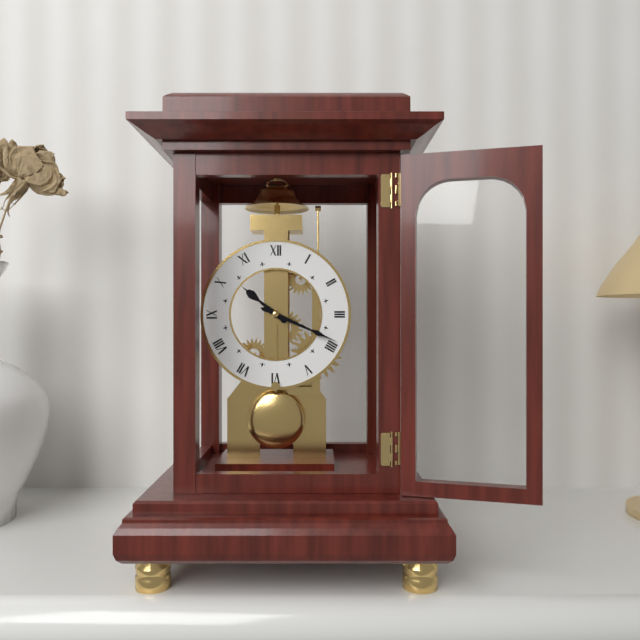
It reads 10,19
